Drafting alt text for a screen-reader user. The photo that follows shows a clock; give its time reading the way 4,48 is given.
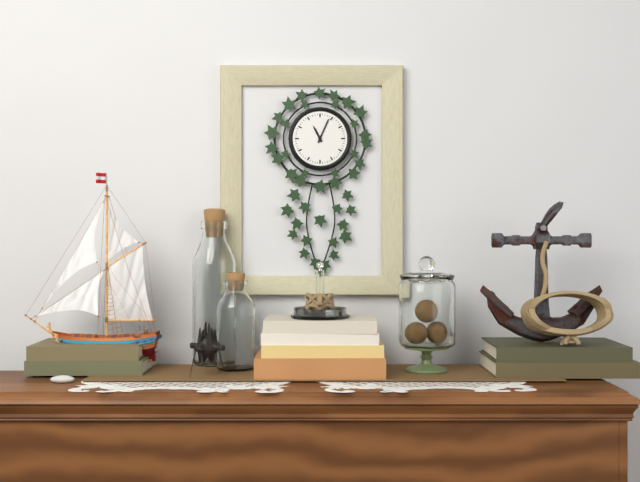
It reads 11,04
